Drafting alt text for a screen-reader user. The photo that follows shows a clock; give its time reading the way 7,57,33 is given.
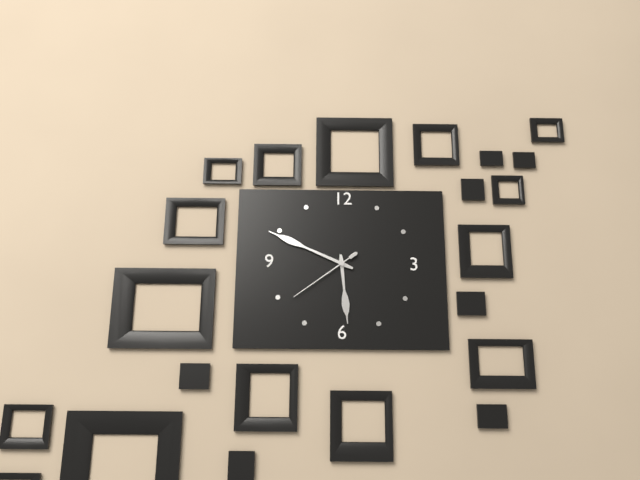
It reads 5,49,39
